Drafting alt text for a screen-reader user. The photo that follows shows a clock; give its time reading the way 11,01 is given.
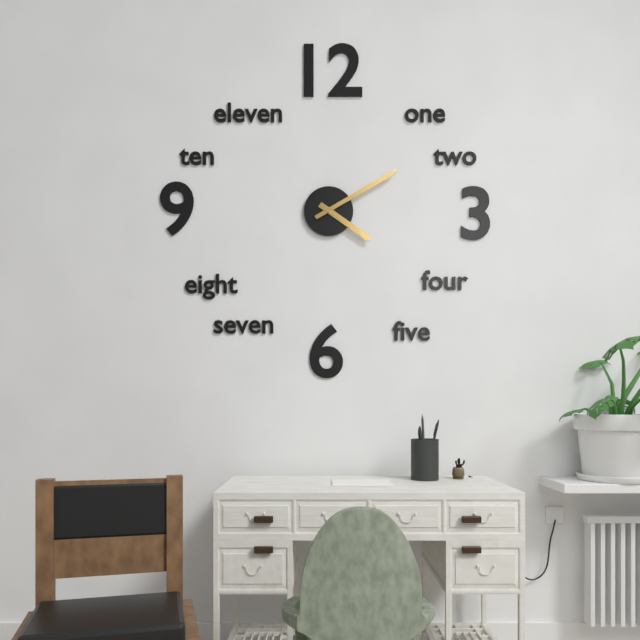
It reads 4,10
